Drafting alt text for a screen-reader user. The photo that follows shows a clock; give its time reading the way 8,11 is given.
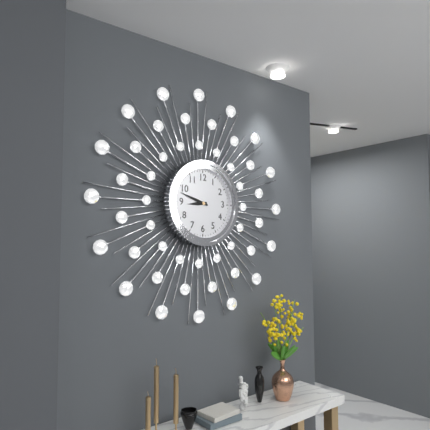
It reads 8,48
